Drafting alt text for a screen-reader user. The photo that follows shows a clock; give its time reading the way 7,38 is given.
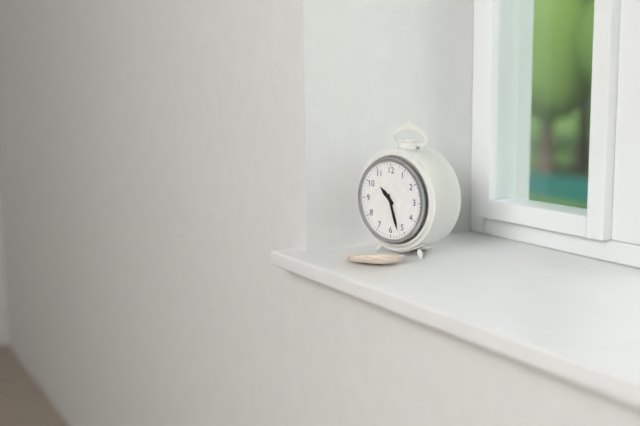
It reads 10,27
